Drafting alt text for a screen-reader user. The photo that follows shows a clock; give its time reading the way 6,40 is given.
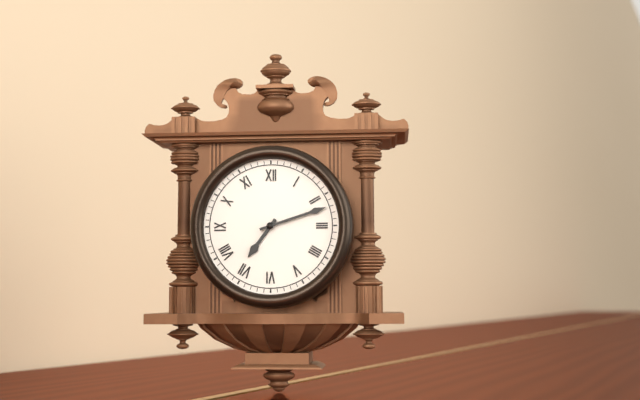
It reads 7,12
